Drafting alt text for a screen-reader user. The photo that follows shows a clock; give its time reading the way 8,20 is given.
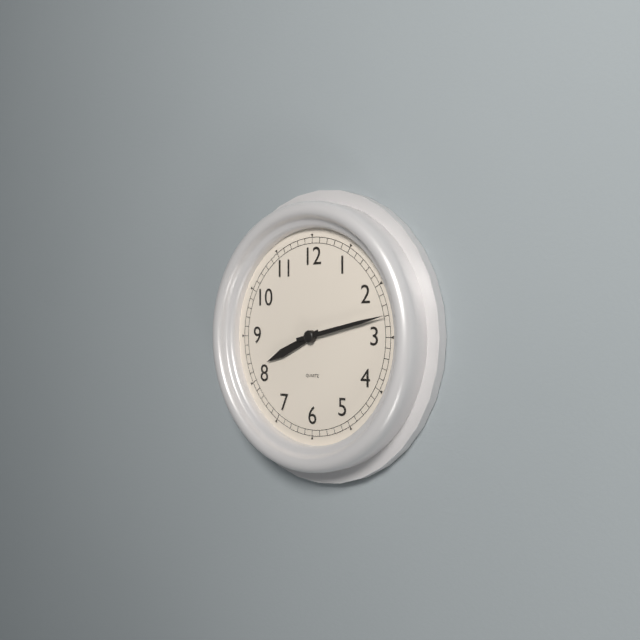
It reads 8,13
